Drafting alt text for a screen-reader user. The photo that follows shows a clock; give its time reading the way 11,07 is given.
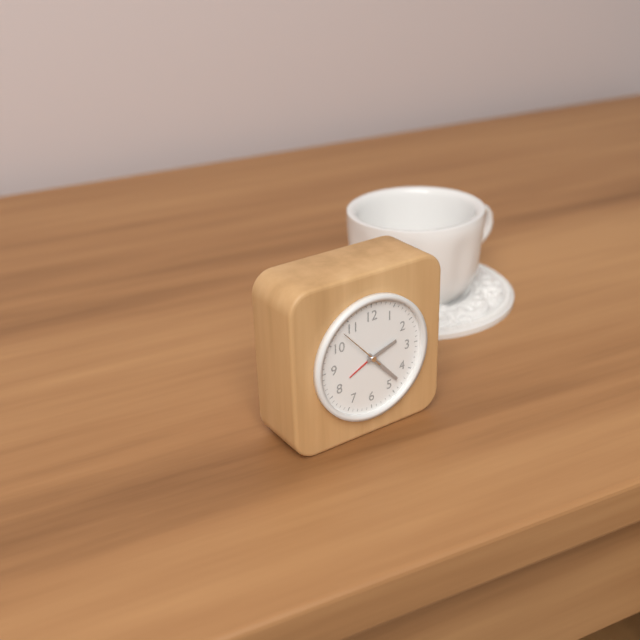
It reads 2,23
